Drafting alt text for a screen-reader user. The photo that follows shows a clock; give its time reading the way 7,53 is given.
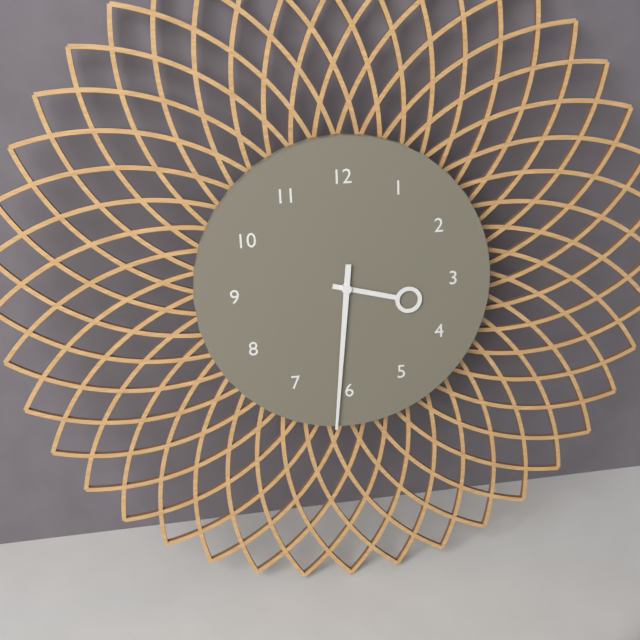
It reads 3,31
